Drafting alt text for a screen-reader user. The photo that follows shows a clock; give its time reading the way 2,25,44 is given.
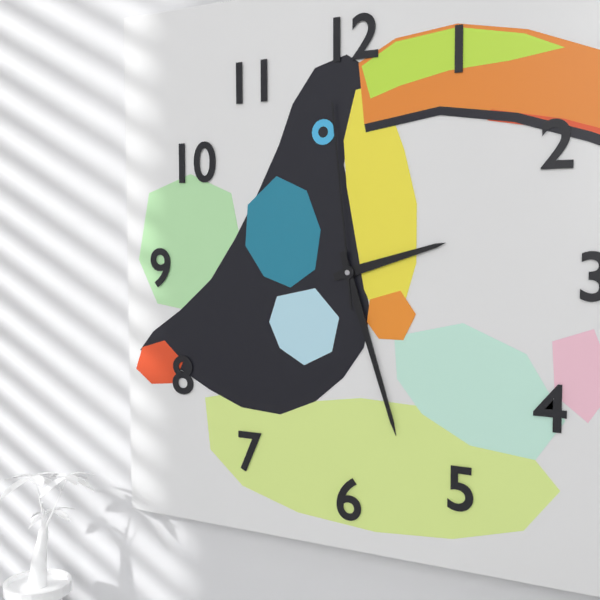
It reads 2,27,59
